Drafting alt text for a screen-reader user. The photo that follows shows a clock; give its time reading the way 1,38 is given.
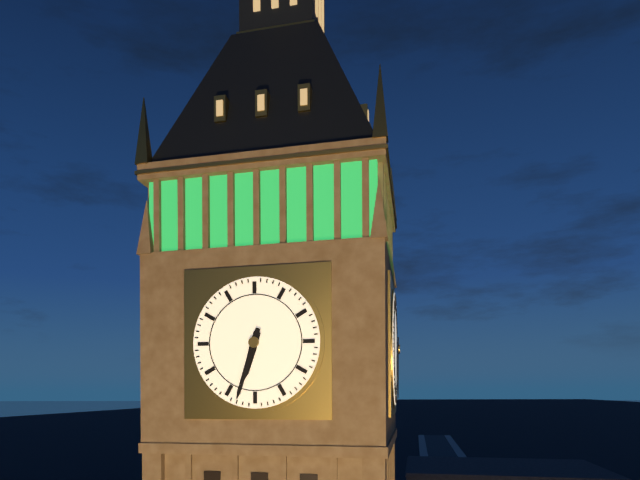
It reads 6,33
